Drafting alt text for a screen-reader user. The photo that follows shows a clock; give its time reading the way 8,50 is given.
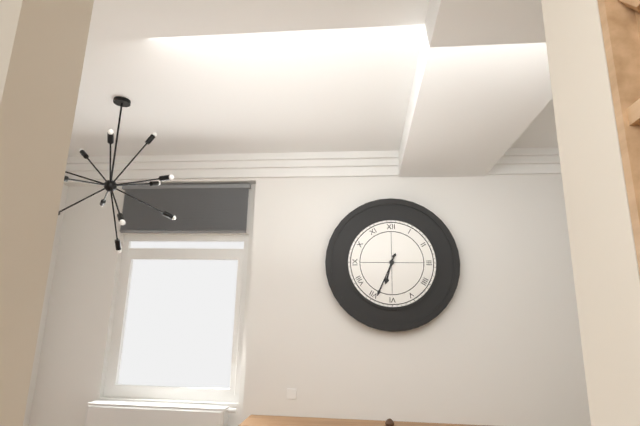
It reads 6,34
